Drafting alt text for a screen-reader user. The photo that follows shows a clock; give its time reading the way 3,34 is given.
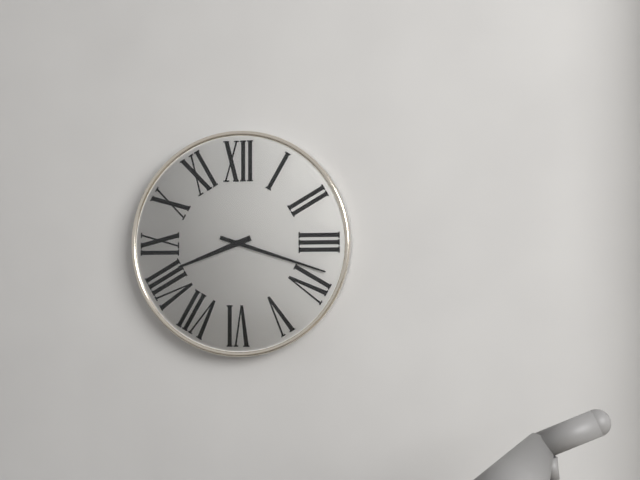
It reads 8,18
